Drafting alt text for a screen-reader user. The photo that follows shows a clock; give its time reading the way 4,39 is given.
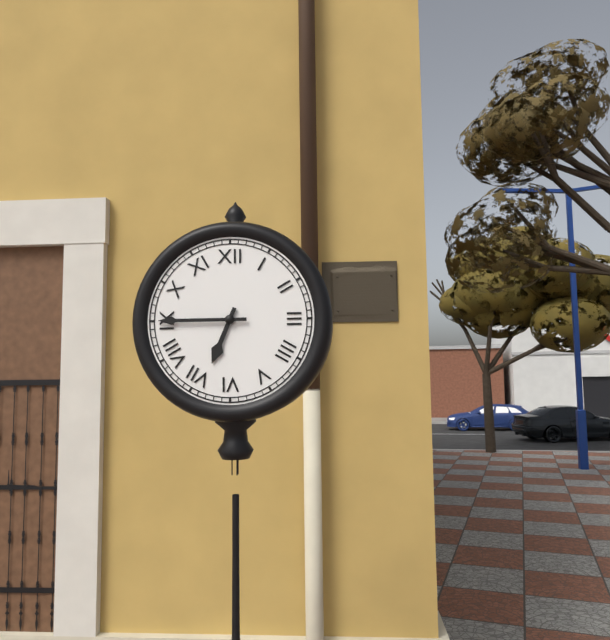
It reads 6,45
